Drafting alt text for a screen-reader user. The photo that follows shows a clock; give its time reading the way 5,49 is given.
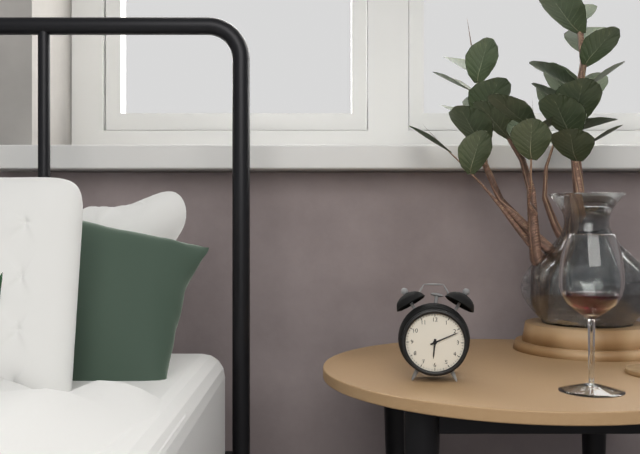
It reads 6,11
